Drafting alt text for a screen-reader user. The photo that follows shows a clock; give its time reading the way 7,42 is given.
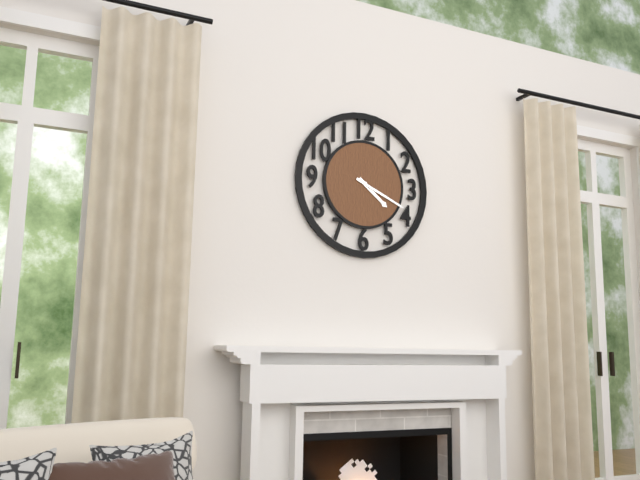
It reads 4,19
